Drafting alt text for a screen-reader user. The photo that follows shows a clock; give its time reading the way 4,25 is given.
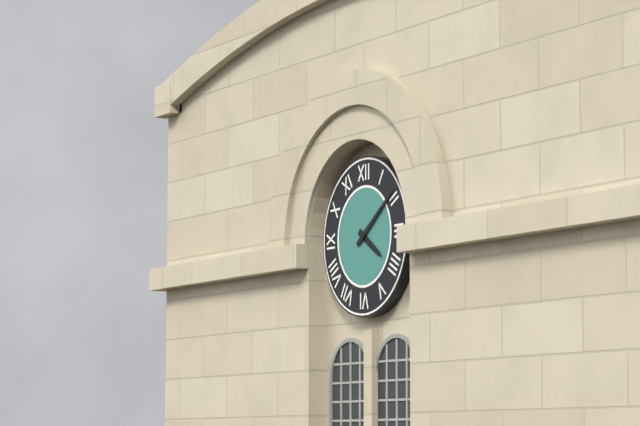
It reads 4,09
